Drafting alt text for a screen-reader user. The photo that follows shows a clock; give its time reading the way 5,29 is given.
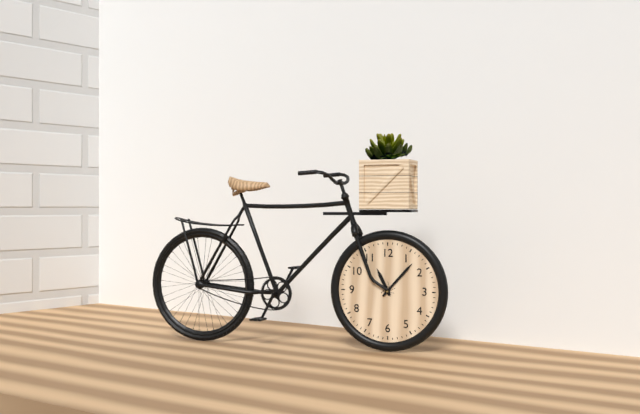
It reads 11,07
